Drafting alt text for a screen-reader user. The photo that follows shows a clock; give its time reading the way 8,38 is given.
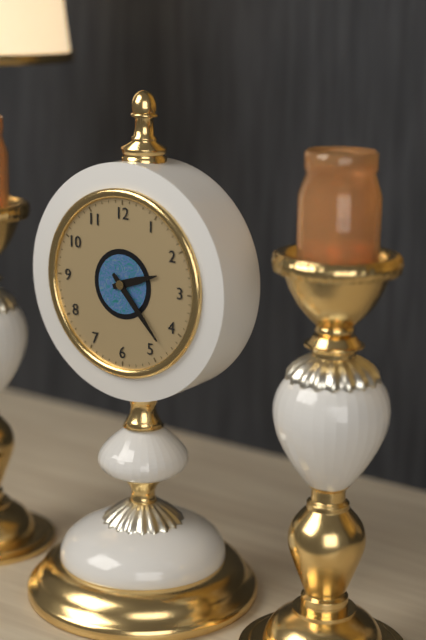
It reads 2,23
